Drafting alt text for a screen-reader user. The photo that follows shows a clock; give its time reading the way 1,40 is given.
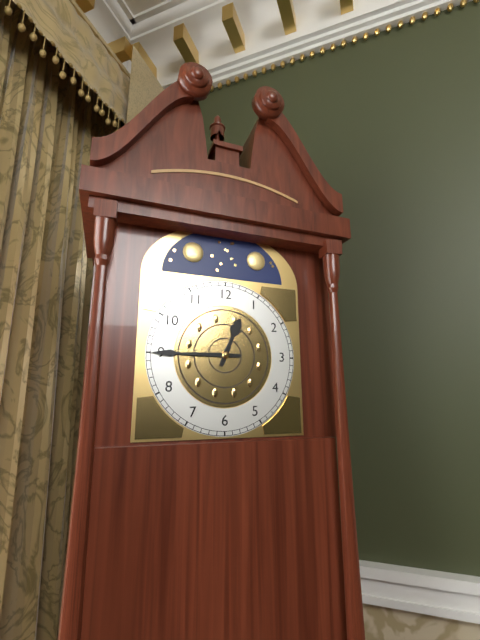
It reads 12,45
